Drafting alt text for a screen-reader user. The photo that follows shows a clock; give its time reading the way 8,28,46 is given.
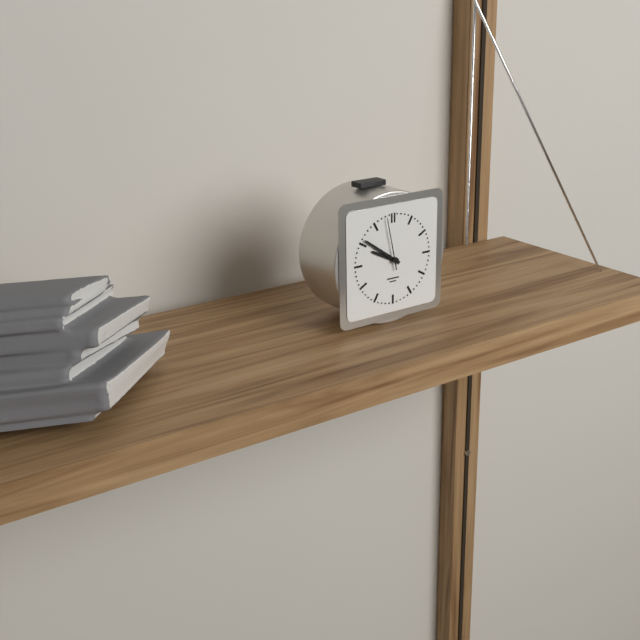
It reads 9,51,58
